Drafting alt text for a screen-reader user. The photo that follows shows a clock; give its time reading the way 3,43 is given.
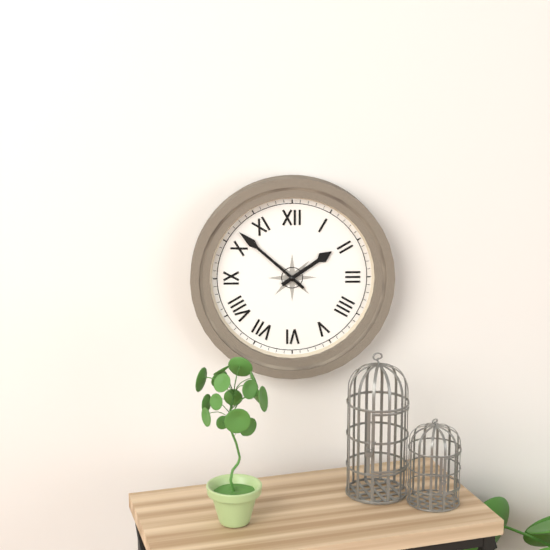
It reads 1,52
